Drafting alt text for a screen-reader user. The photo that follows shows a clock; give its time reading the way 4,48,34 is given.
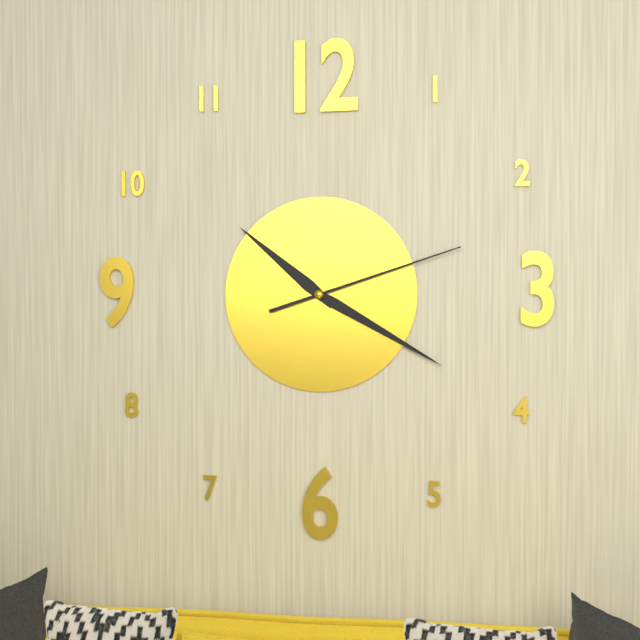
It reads 10,20,12
